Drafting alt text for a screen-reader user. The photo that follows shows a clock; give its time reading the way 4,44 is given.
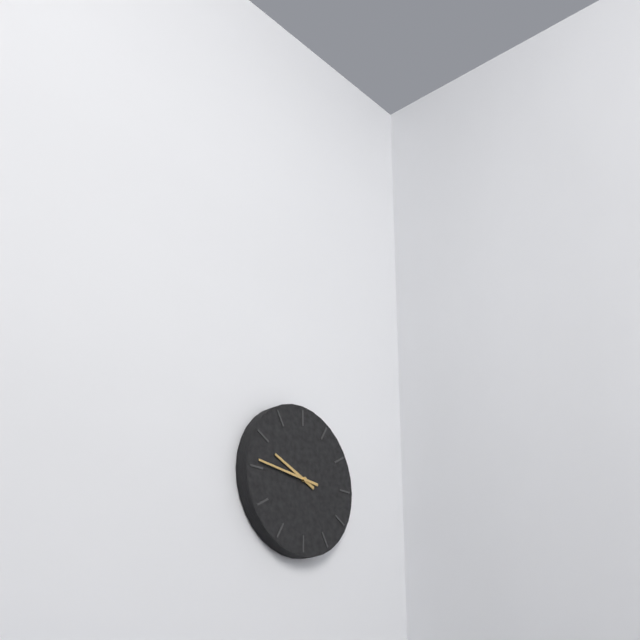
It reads 9,46
